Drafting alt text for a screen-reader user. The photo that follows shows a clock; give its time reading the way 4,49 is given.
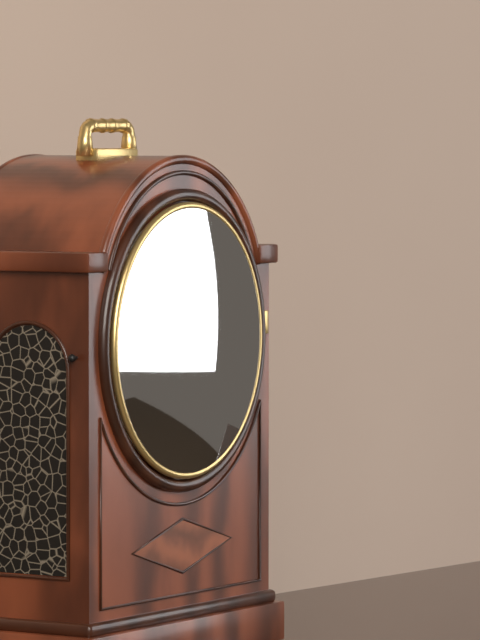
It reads 6,40
